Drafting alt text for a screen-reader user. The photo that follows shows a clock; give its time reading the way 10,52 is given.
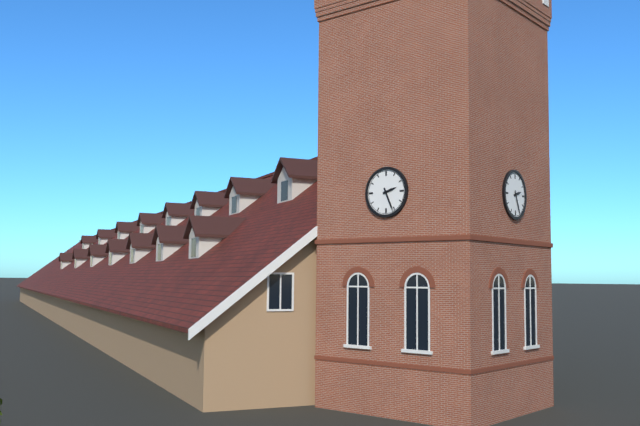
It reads 2,26
